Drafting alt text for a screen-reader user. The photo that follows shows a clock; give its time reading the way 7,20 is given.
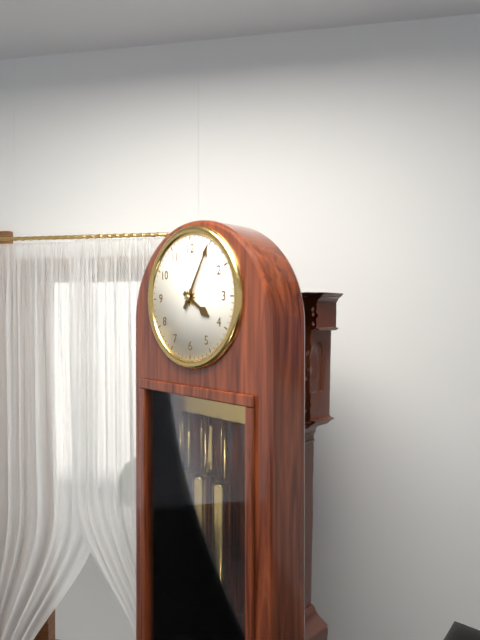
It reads 4,05
